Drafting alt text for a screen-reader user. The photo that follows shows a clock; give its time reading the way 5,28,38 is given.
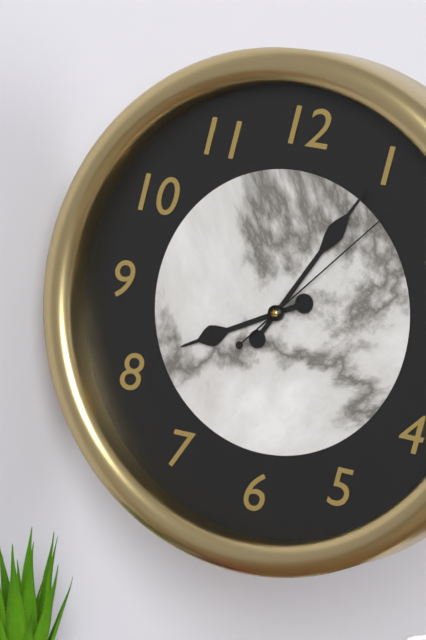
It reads 8,05,07
